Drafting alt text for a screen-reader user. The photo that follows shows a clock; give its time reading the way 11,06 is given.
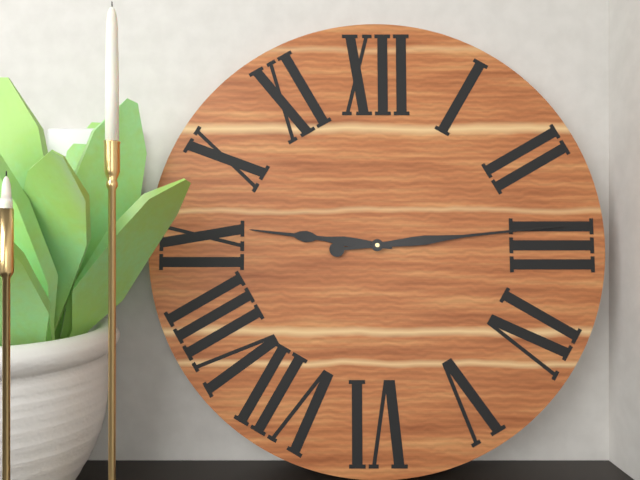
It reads 9,14
